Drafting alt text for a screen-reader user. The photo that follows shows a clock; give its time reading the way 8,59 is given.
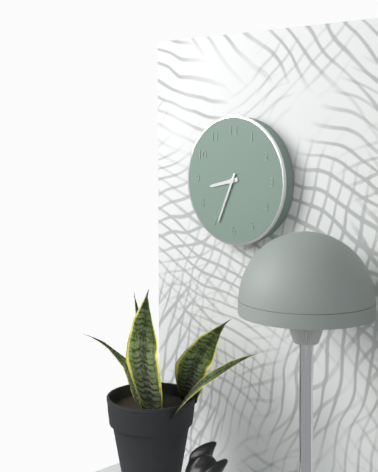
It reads 8,34
